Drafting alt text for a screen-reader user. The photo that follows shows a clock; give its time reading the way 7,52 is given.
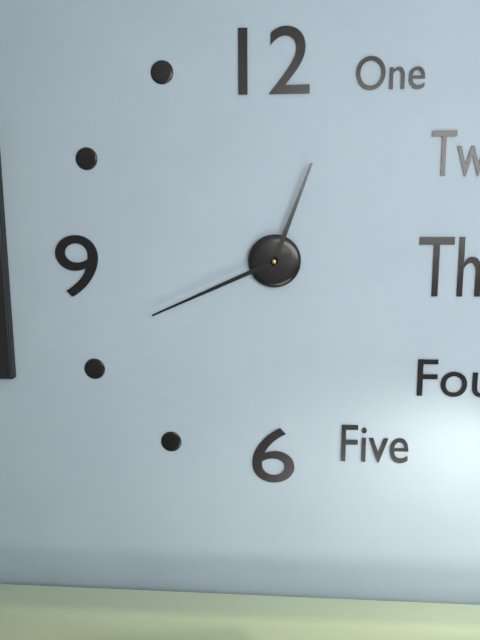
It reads 12,41
